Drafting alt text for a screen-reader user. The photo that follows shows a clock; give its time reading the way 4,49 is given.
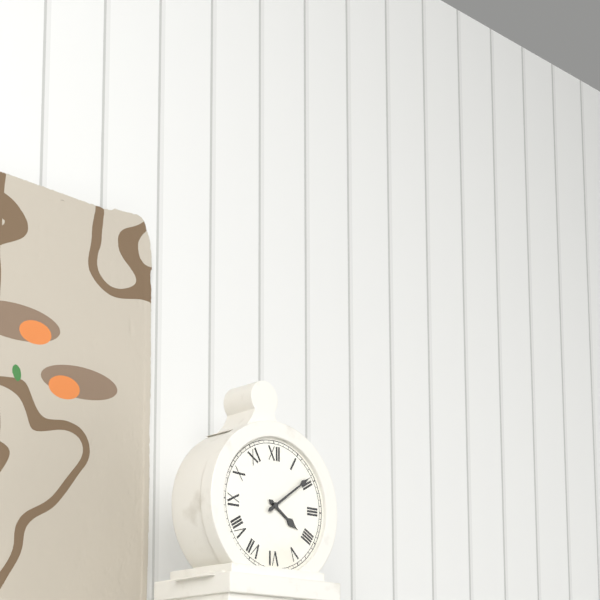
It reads 4,09
